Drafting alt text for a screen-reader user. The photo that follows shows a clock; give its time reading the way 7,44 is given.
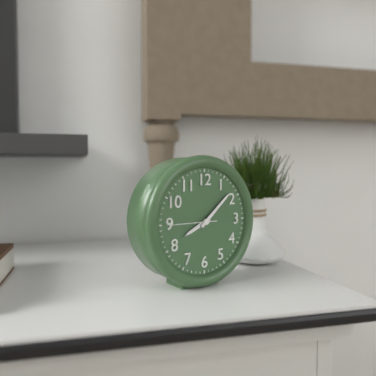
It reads 8,08
